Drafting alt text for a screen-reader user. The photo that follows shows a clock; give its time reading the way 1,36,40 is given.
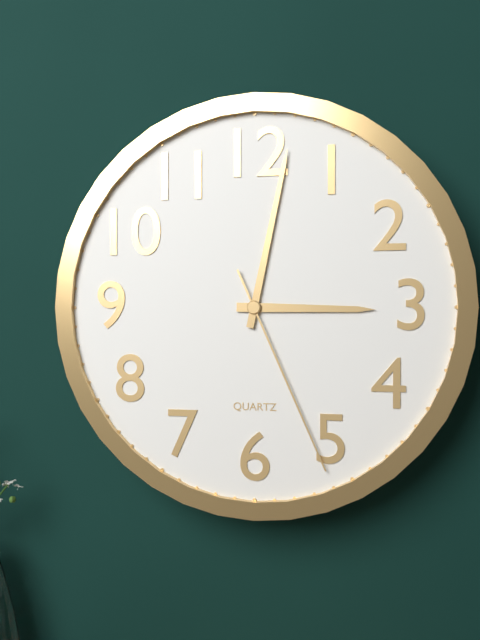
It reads 3,02,26
